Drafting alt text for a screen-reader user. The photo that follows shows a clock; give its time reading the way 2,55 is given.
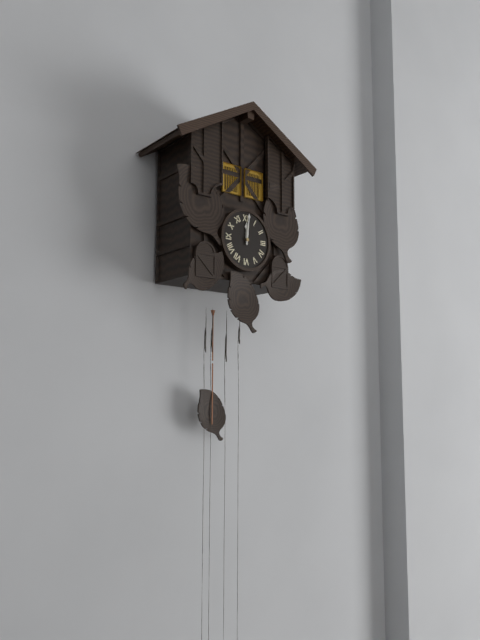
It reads 12,01
